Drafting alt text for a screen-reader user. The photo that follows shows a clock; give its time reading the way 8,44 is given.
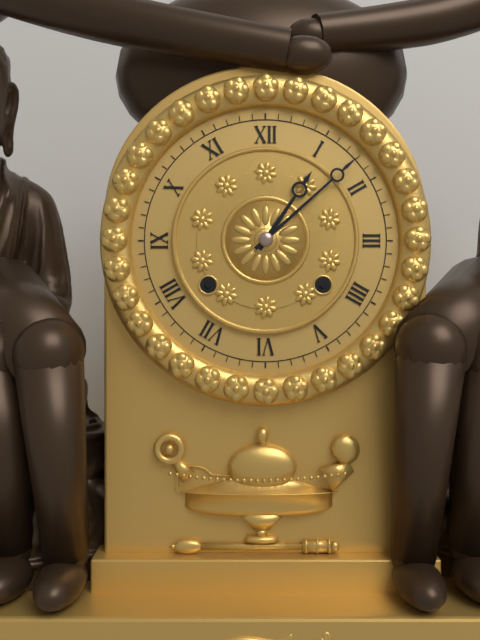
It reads 1,08
